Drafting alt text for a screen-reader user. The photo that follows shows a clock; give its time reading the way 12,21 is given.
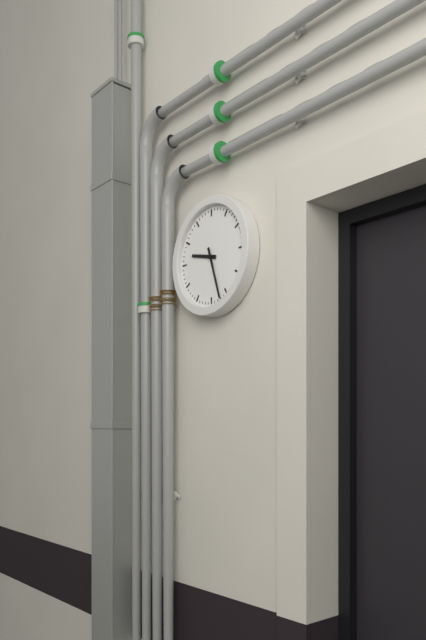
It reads 9,27
